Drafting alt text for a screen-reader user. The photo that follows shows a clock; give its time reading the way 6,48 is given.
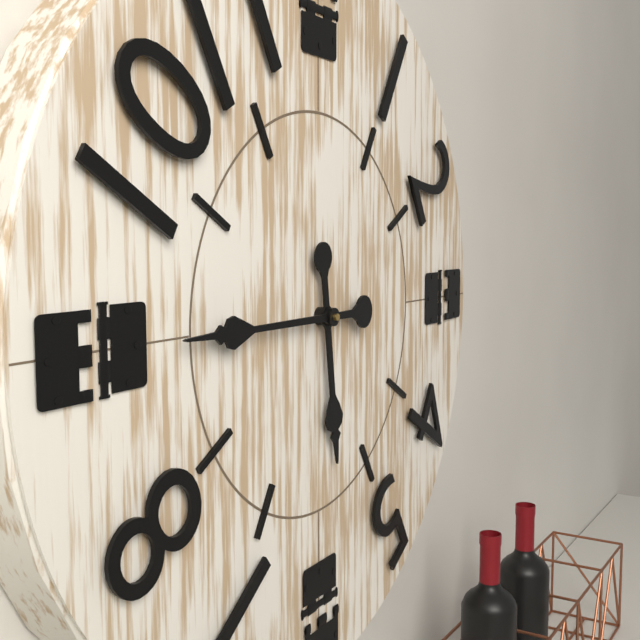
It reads 5,45
